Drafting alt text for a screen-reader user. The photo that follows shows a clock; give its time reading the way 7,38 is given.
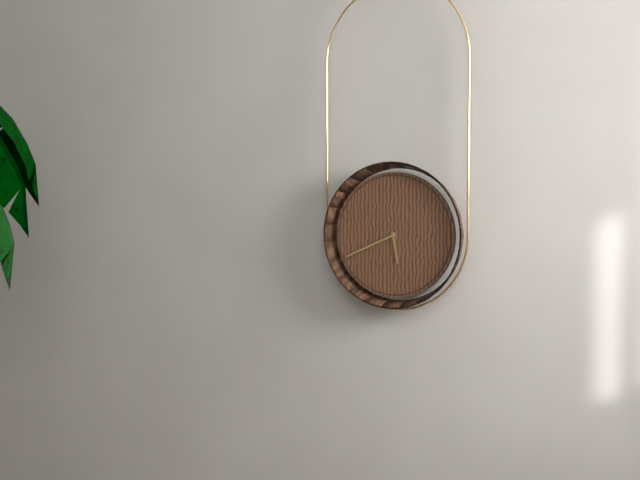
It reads 5,41
